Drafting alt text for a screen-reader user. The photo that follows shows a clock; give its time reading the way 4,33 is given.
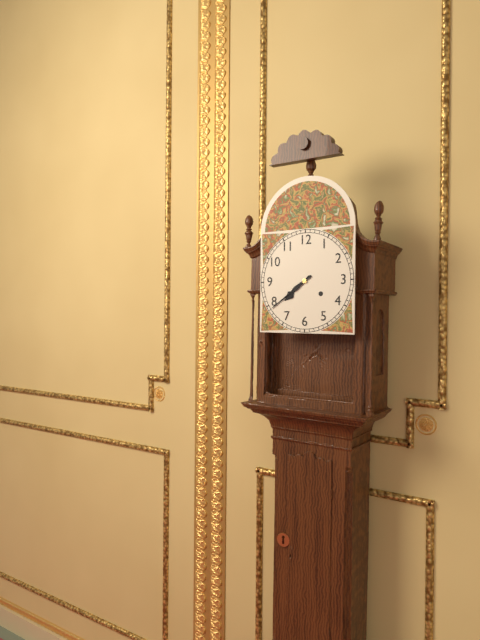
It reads 7,39
